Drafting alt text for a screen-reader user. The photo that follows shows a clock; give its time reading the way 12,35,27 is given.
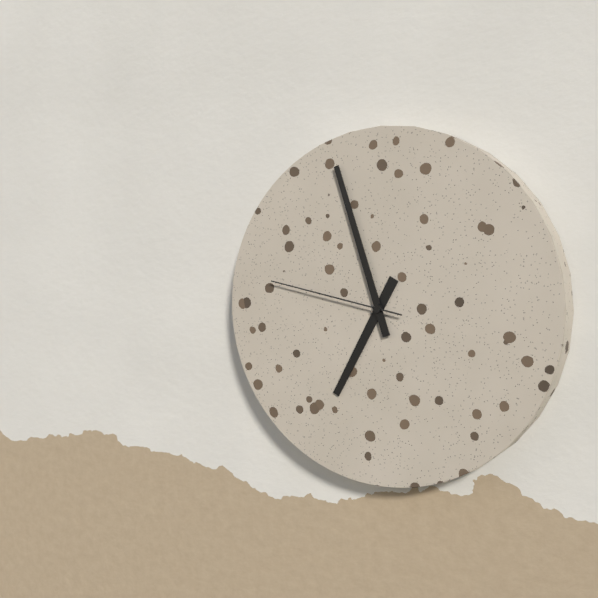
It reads 6,57,47
